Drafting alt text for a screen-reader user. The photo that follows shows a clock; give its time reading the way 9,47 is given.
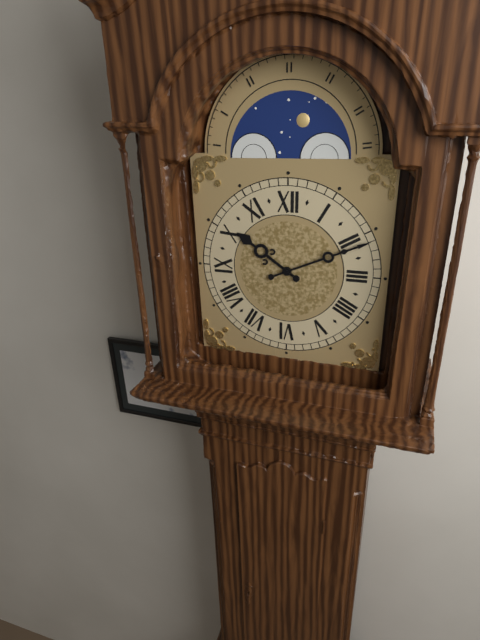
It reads 10,11
